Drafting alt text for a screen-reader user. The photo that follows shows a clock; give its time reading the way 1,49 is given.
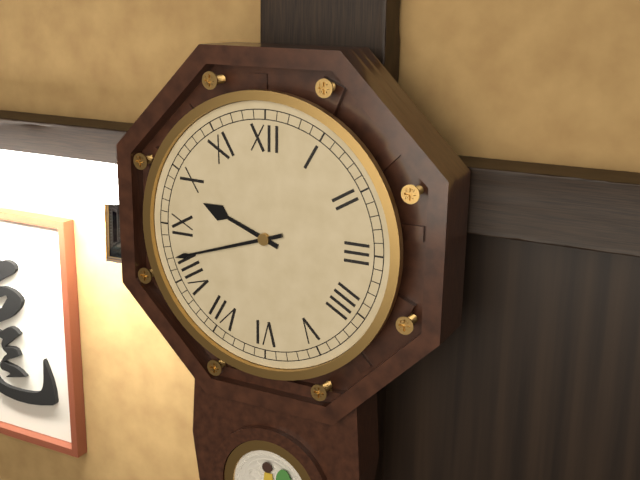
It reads 9,42
